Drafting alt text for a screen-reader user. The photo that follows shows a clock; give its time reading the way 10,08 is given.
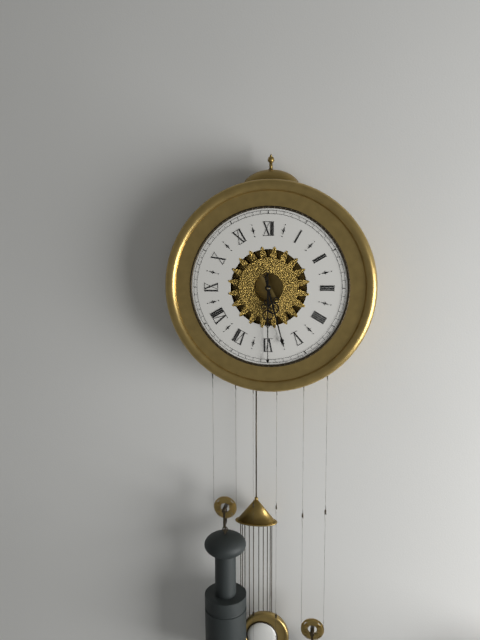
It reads 5,30
